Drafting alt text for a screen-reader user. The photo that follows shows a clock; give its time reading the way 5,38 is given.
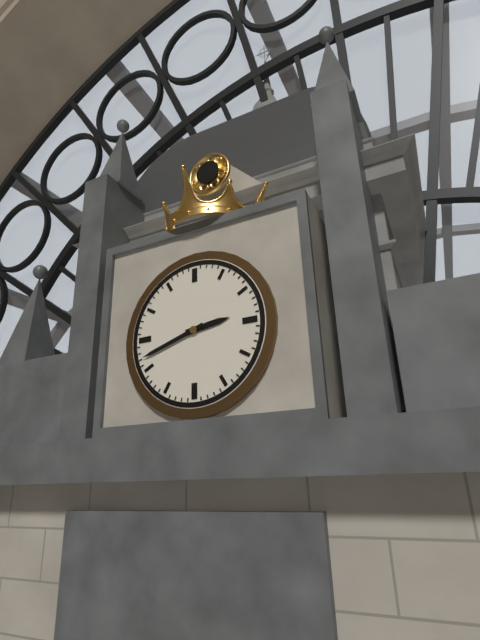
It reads 2,42
